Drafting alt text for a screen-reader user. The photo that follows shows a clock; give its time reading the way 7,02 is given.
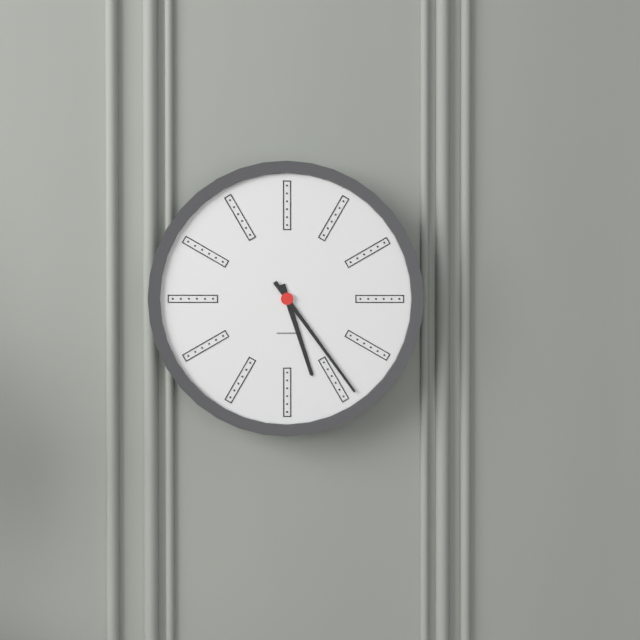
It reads 5,24
